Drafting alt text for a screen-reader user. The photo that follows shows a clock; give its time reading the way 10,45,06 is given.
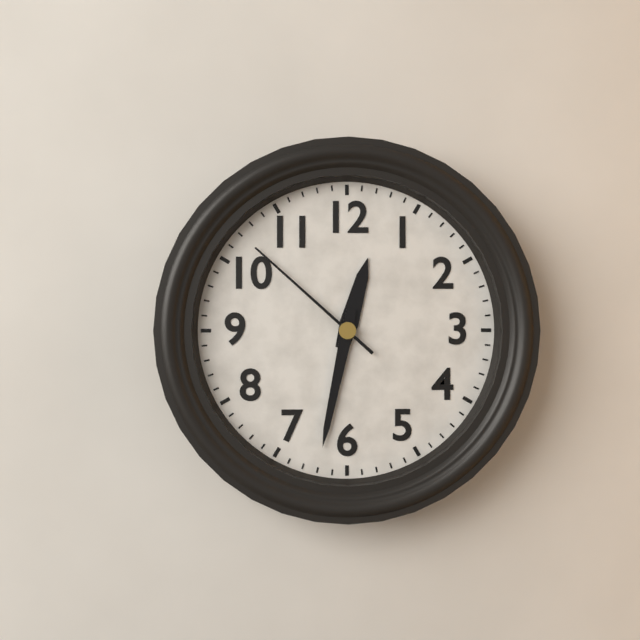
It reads 12,32,52
